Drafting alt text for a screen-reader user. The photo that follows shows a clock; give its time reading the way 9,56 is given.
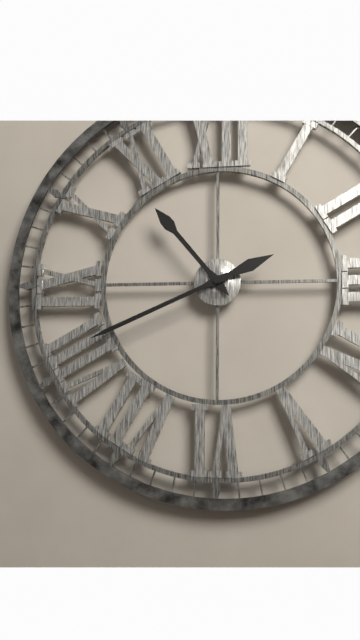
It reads 10,41
